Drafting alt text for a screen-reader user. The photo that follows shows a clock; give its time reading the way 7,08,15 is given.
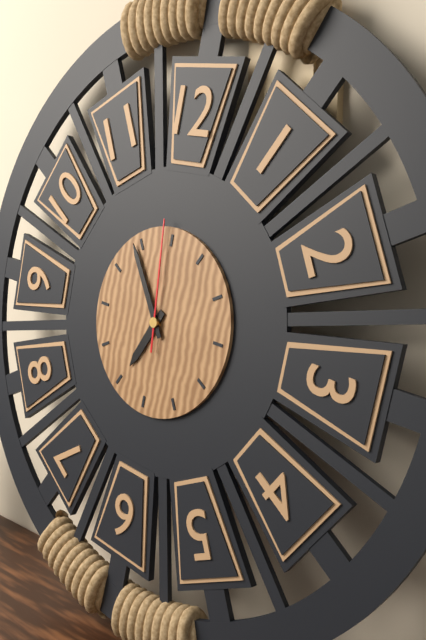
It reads 6,54,59
